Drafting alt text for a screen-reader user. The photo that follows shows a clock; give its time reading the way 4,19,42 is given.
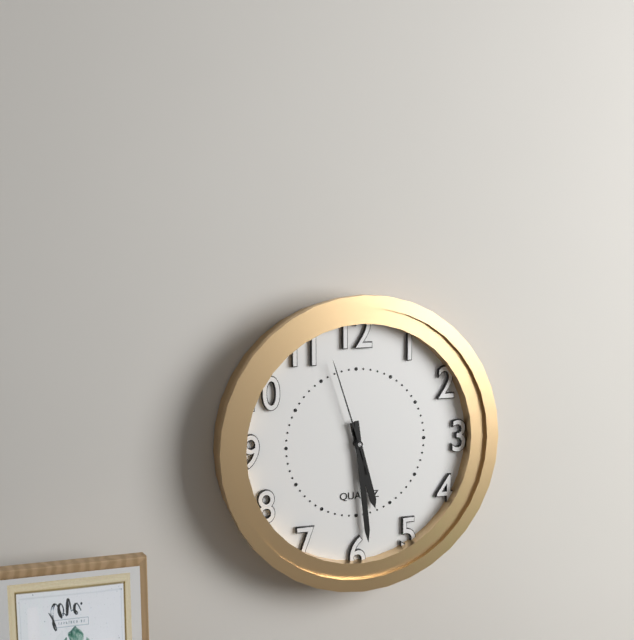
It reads 5,29,57
